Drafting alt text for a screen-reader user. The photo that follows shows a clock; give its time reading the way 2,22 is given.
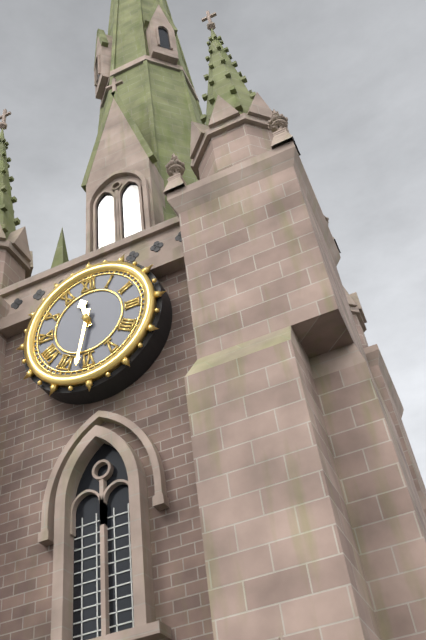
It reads 11,32
